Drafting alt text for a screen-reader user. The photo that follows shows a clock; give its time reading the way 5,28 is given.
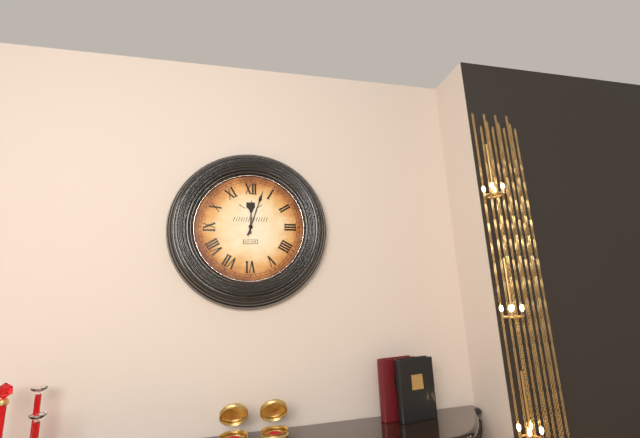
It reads 12,03
